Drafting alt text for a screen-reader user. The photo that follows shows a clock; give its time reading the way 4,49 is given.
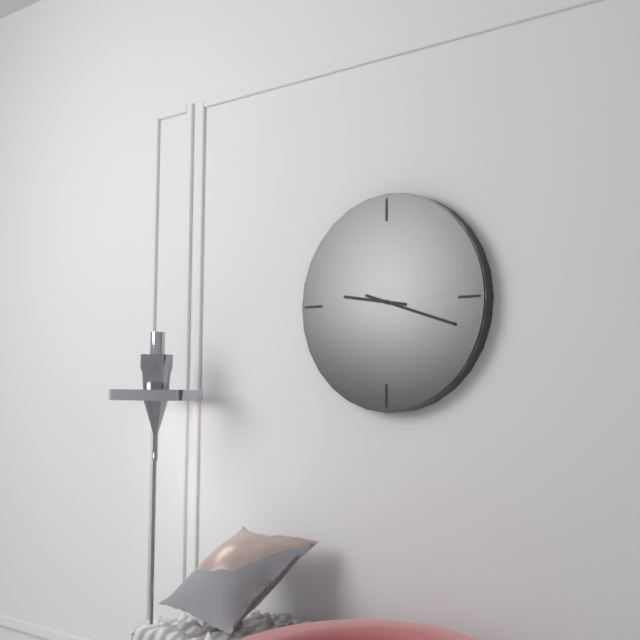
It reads 9,18
